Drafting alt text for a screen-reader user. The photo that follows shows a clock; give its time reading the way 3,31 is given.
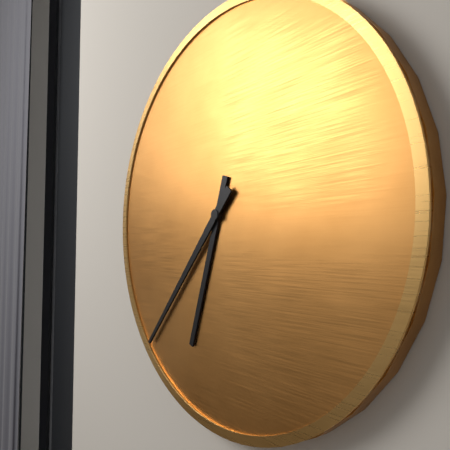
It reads 6,37
